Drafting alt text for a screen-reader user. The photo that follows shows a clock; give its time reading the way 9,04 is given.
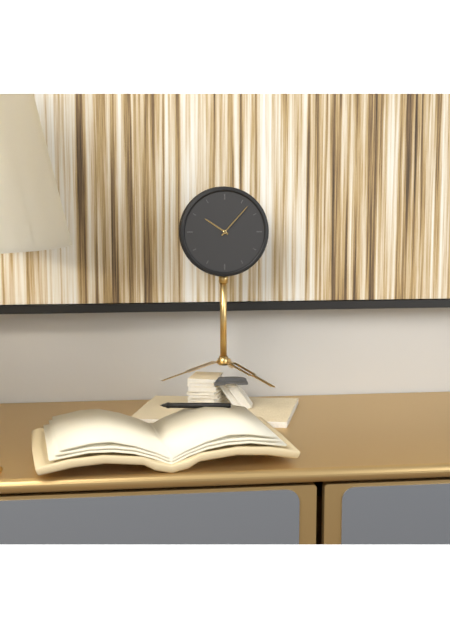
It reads 10,07
